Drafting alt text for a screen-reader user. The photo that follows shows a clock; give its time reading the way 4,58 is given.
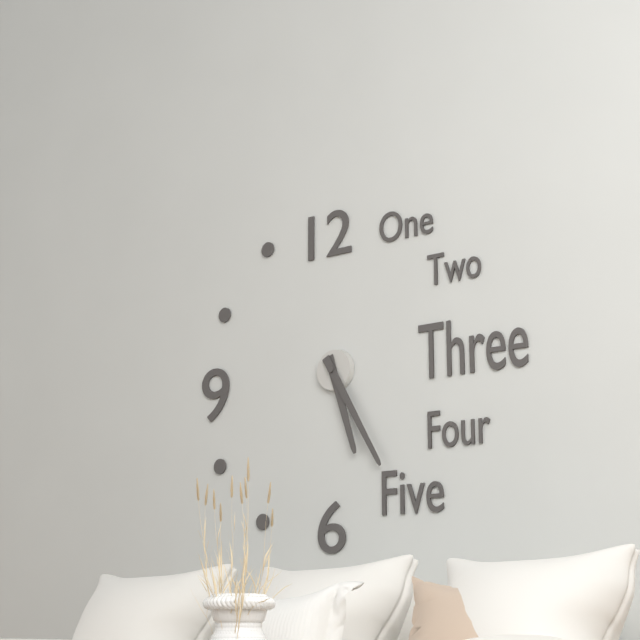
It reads 5,25
